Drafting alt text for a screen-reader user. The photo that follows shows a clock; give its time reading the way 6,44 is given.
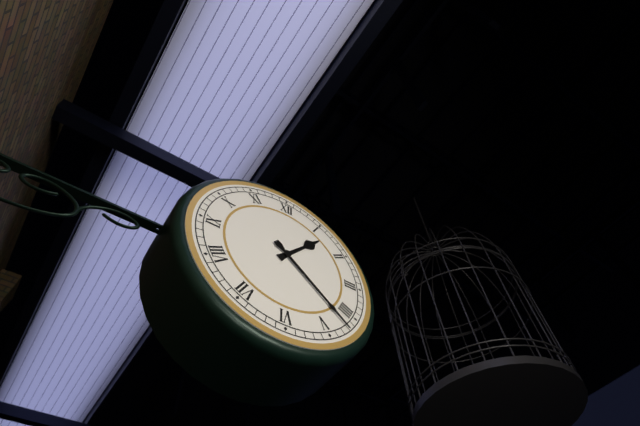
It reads 1,22
